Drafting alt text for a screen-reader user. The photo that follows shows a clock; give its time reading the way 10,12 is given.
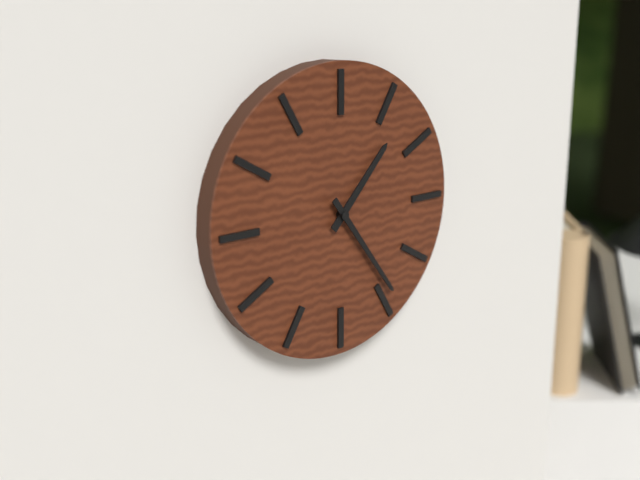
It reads 1,24
